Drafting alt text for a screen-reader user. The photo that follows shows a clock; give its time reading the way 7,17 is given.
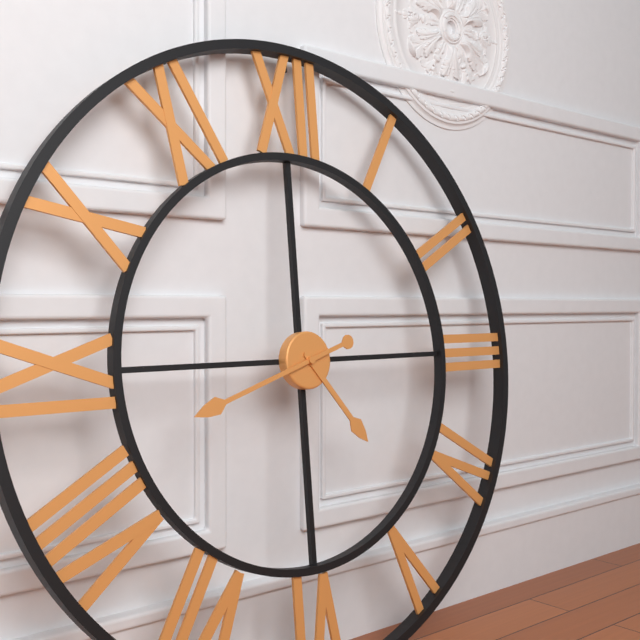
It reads 4,42
